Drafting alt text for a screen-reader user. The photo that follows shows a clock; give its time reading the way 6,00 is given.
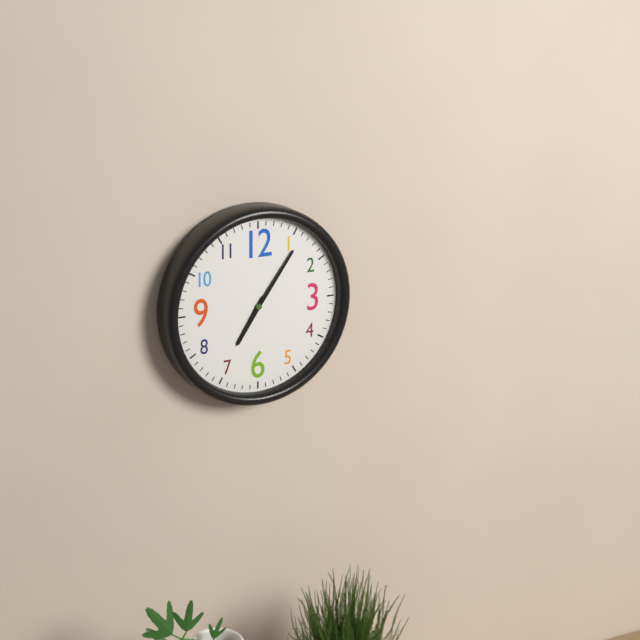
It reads 7,06
